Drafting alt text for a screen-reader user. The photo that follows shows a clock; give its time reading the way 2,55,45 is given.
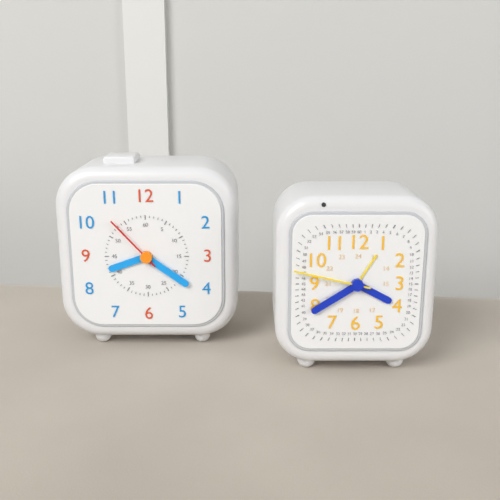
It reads 8,21,53
